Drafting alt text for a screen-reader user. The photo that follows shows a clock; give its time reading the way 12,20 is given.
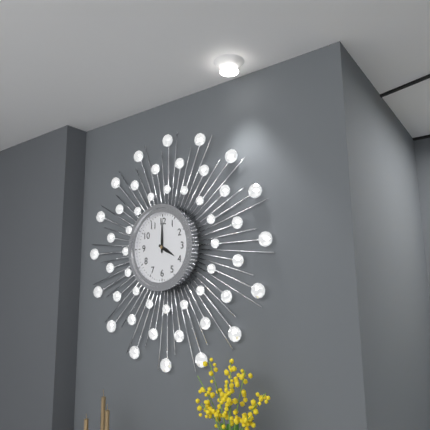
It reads 4,00
